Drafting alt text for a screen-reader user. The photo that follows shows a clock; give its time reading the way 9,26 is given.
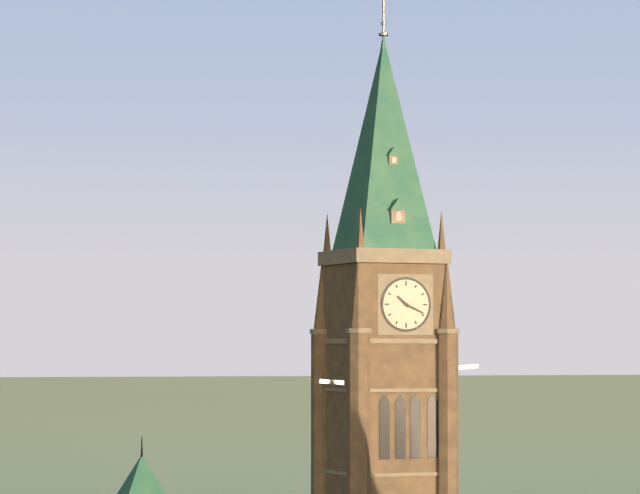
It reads 10,19
